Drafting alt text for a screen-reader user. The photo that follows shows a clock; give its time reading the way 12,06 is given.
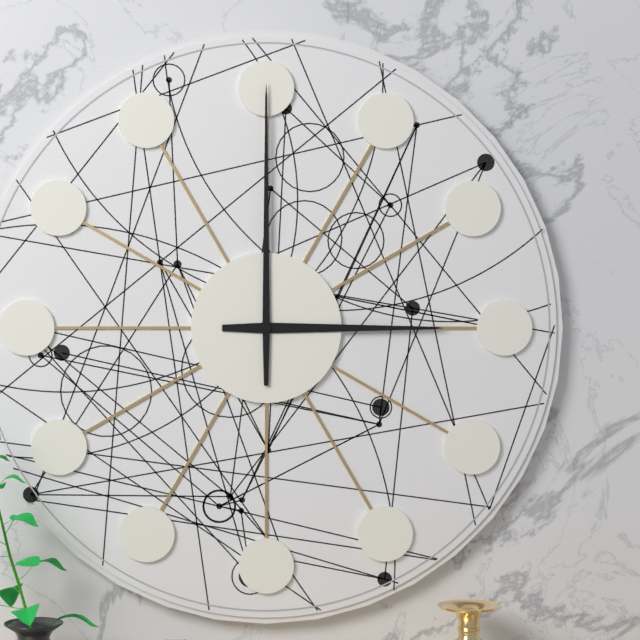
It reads 3,00
